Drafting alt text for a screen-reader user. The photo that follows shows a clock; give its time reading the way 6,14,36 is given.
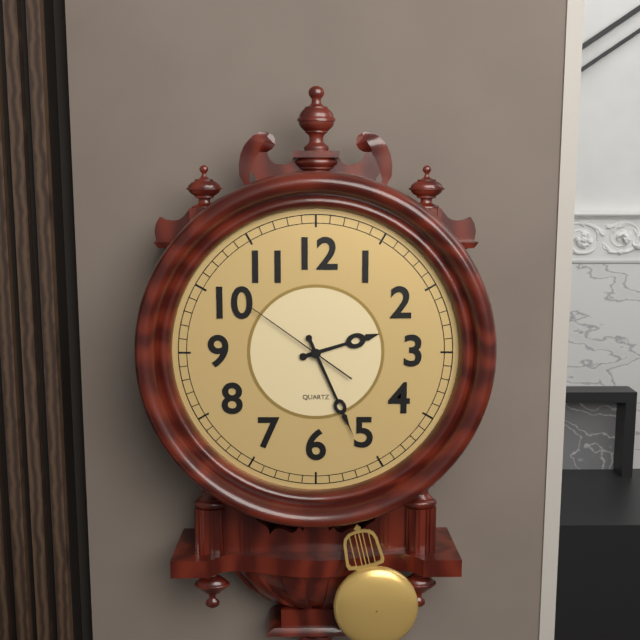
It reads 2,26,51
